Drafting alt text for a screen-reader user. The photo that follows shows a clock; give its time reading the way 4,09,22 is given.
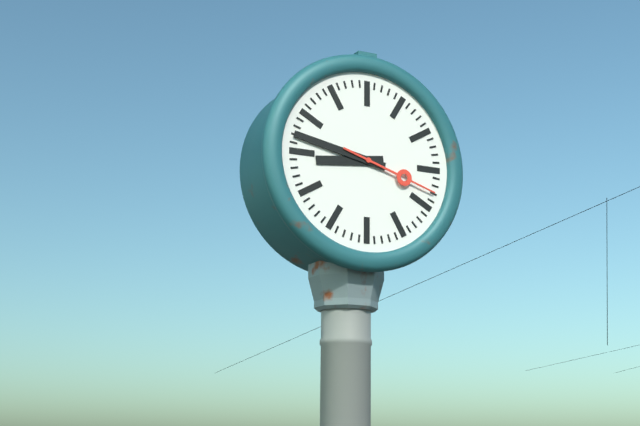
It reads 8,47,18
